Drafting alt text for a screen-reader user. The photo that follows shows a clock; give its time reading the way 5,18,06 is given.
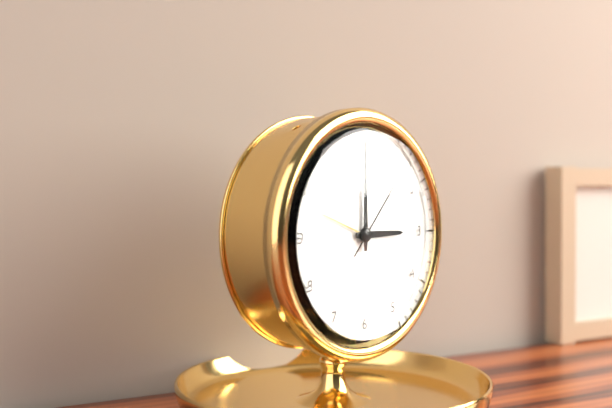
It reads 3,00,07
